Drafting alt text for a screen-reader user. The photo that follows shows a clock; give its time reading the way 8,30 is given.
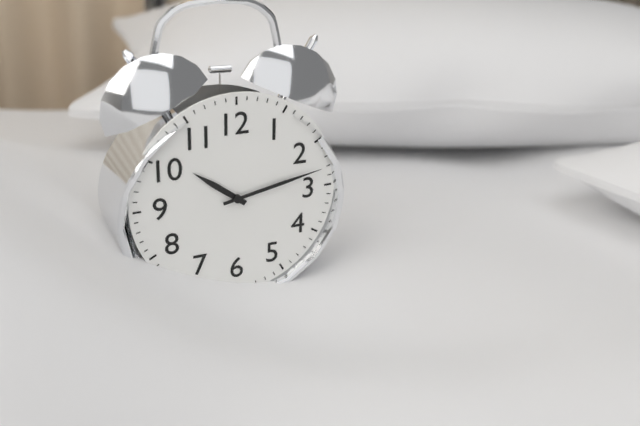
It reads 10,13
